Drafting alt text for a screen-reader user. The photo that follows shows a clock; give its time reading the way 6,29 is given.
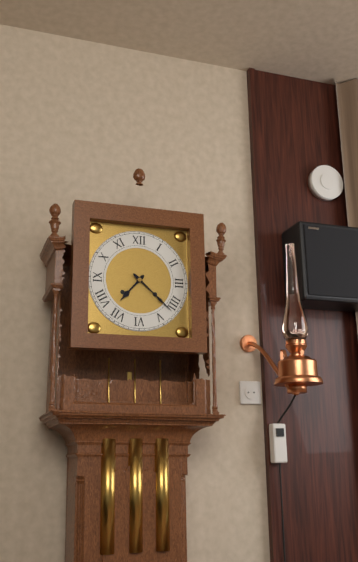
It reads 7,22
